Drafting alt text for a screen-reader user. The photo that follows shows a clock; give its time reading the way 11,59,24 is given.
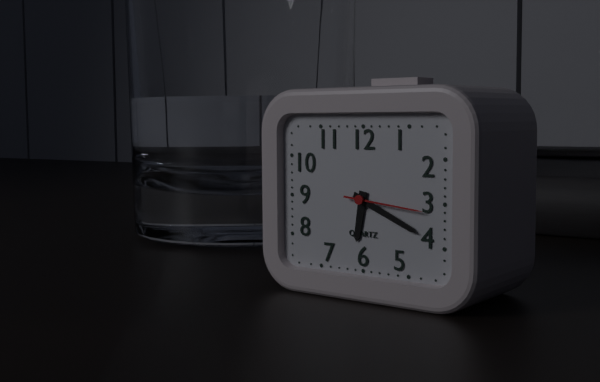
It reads 6,19,16
